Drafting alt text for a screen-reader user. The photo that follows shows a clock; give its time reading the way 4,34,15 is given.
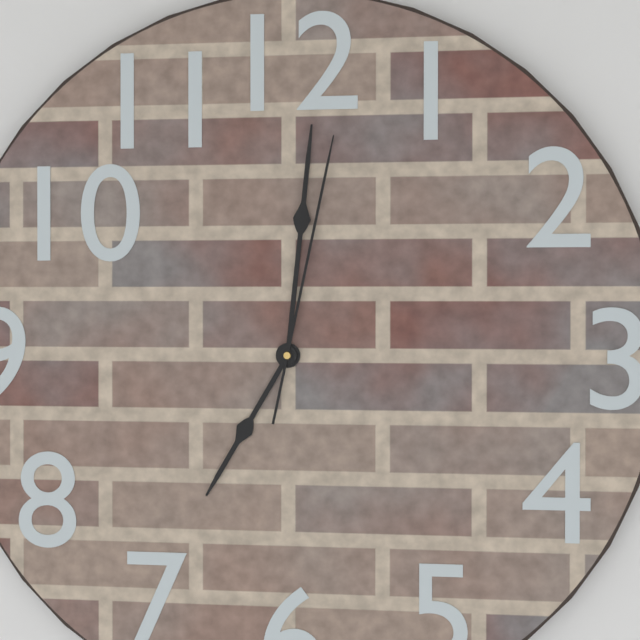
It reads 7,01,02
